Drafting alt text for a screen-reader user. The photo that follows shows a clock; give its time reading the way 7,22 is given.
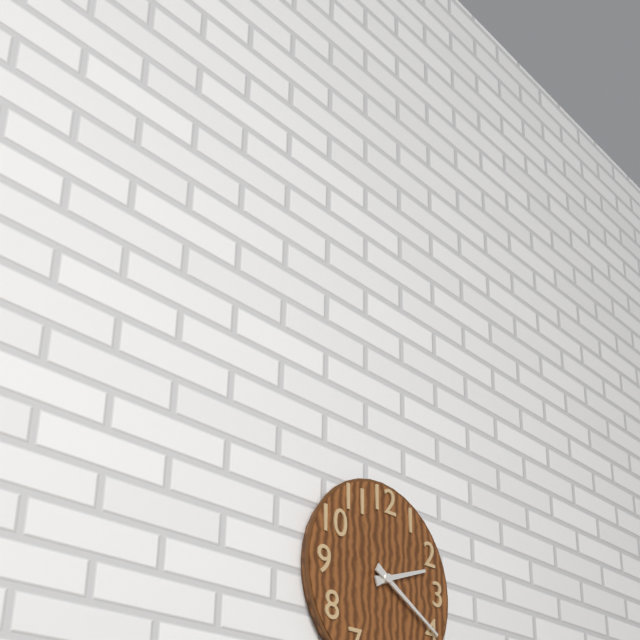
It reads 2,20
